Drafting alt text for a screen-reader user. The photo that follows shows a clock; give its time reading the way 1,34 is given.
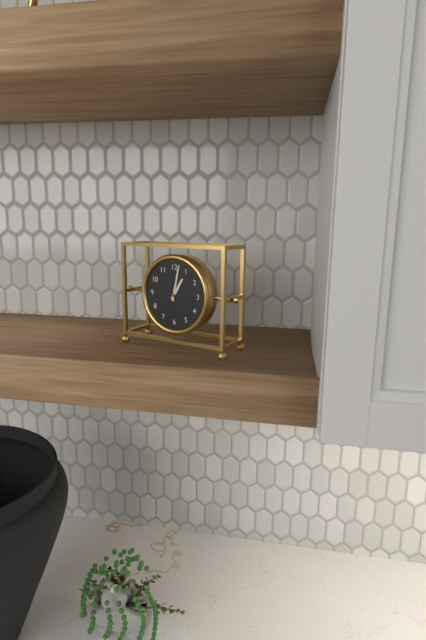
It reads 1,02
